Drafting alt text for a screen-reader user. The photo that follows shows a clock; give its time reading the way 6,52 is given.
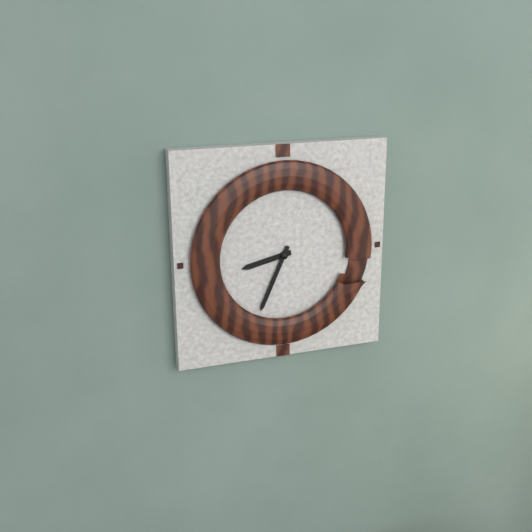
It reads 8,34
